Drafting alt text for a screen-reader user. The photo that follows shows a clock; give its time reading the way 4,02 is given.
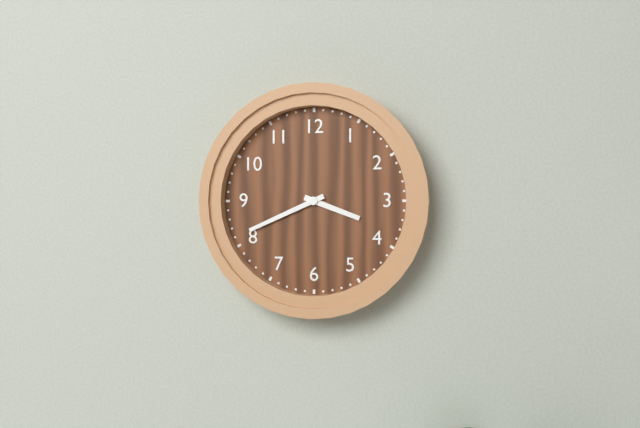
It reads 3,41
